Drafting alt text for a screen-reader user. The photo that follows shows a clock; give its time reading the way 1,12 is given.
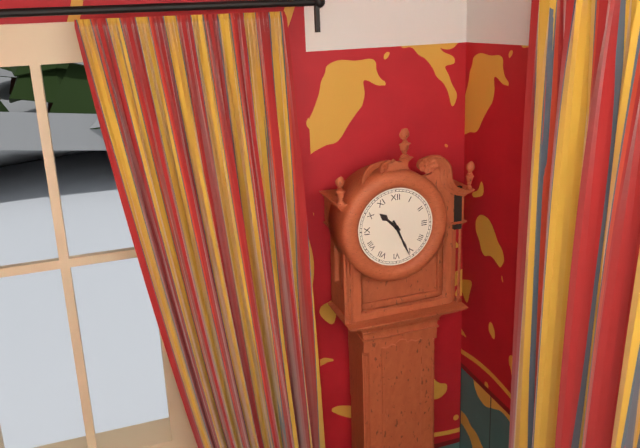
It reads 10,26
